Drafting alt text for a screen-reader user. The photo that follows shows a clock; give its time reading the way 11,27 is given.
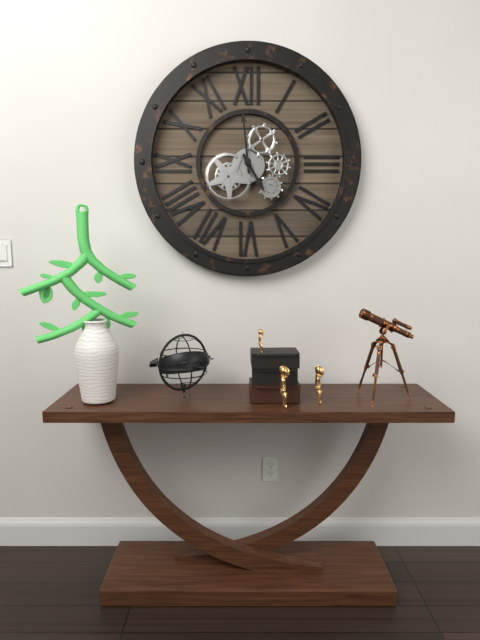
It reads 4,59
